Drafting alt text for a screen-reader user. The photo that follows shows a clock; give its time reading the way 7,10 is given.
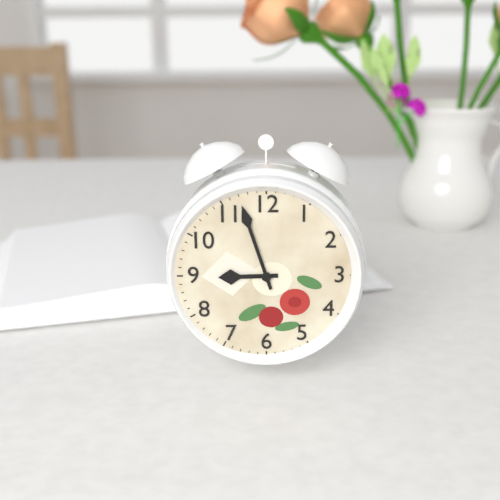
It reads 8,57
